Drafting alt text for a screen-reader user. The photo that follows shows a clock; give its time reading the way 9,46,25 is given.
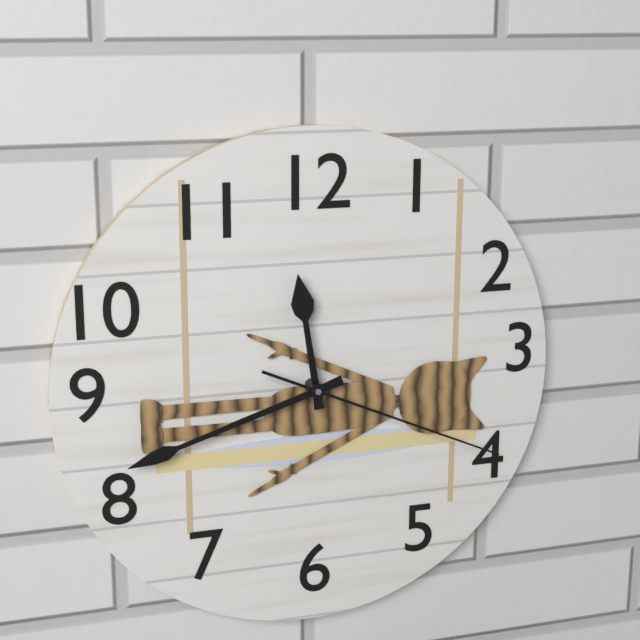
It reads 11,42,19
